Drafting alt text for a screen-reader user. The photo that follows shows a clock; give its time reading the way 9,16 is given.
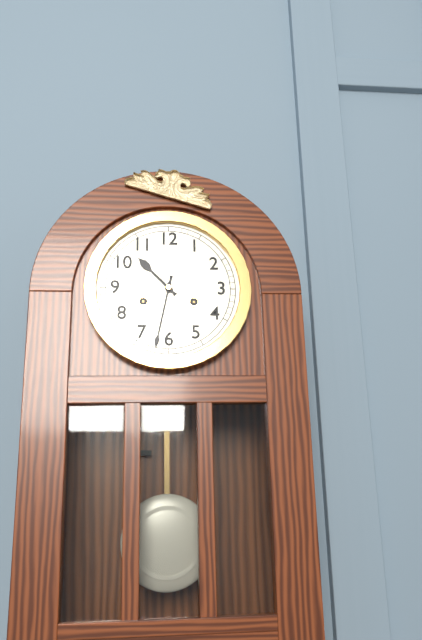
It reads 10,32
